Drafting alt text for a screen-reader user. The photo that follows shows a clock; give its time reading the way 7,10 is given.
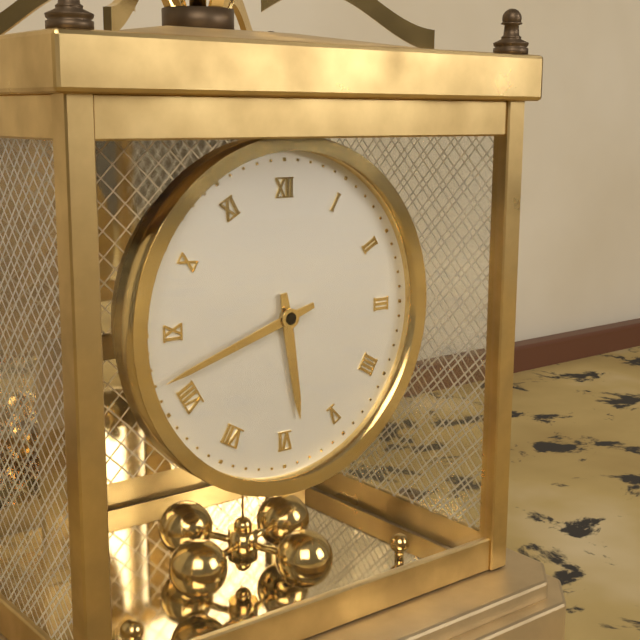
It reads 5,42
